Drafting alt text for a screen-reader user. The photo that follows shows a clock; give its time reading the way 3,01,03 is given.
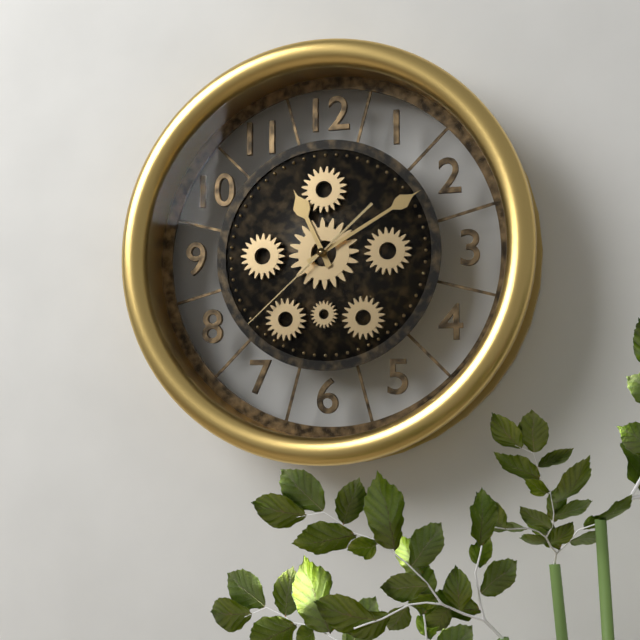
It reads 11,10,38
